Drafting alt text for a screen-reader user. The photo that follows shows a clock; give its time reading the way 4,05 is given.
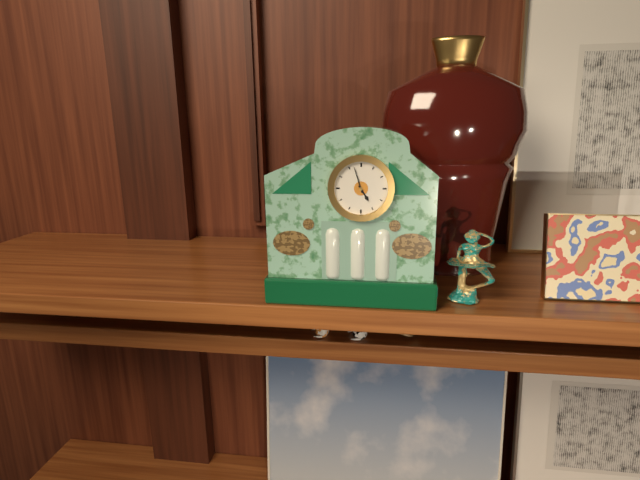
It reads 4,57
